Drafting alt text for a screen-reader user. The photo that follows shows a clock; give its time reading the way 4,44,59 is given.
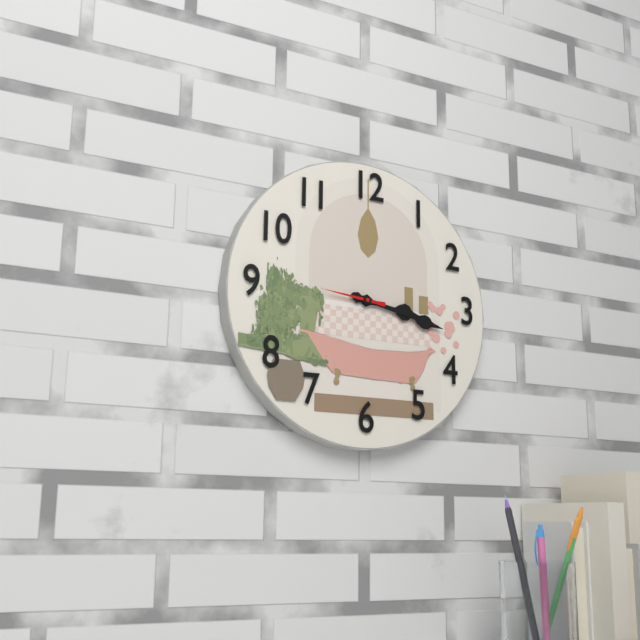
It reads 3,17,46
